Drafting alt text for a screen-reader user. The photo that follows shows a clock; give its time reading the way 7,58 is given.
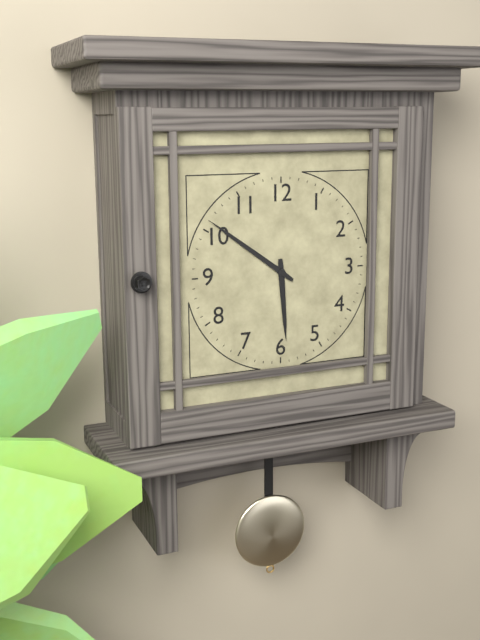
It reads 5,51
